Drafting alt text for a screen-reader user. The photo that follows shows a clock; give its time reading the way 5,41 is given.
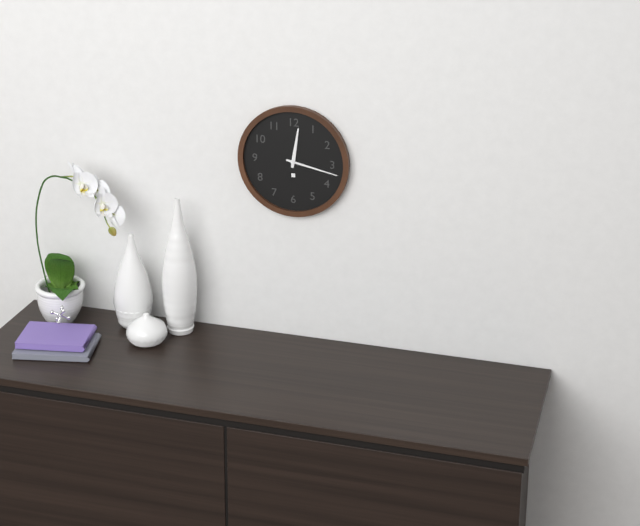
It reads 12,17
